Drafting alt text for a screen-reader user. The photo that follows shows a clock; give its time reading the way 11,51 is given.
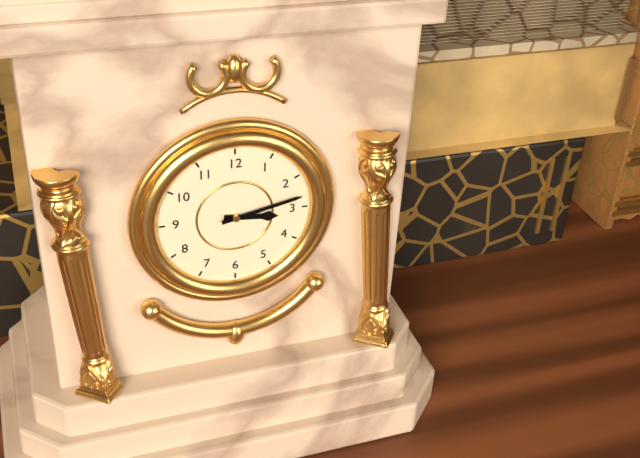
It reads 3,13
